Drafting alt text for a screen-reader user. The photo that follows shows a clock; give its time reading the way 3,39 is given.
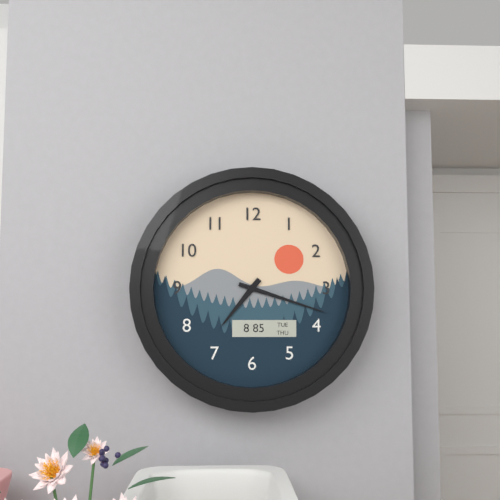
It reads 7,18
